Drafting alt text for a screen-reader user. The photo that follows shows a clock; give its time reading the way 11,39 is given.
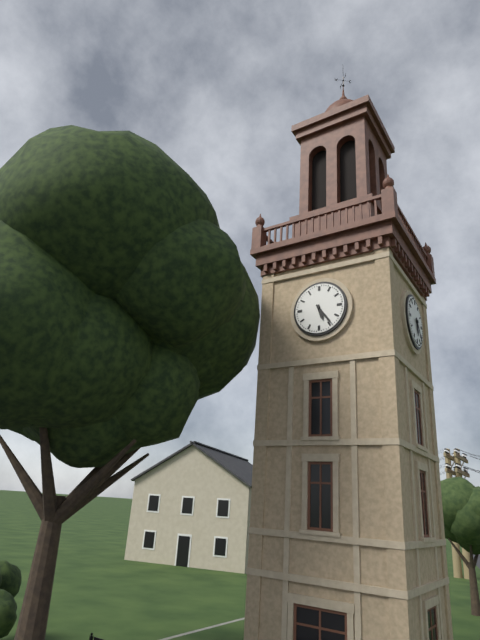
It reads 5,24
